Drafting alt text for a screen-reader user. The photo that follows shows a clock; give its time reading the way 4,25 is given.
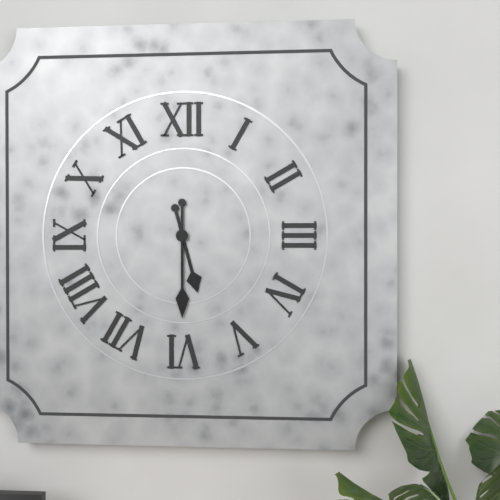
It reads 5,30
